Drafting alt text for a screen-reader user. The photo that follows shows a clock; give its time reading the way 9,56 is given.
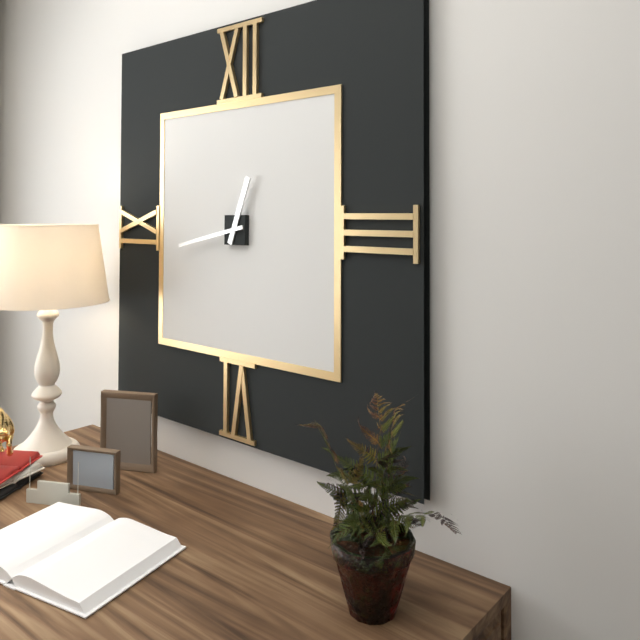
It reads 12,43
